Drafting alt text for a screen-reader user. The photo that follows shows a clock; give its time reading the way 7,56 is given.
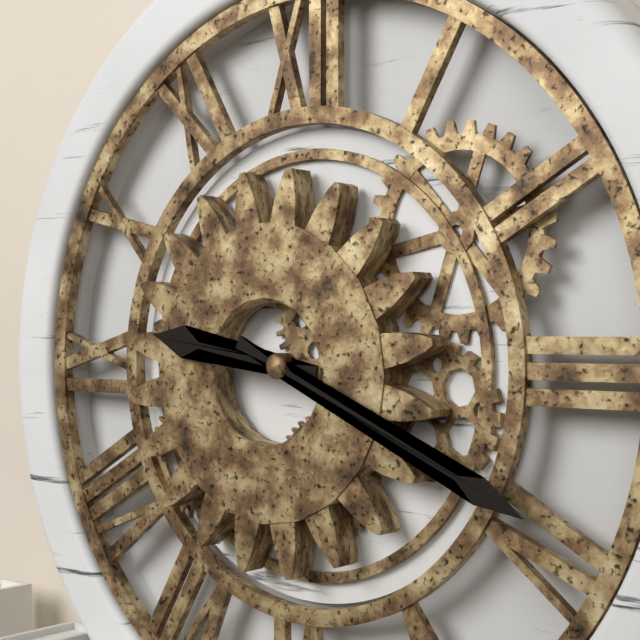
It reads 9,19
